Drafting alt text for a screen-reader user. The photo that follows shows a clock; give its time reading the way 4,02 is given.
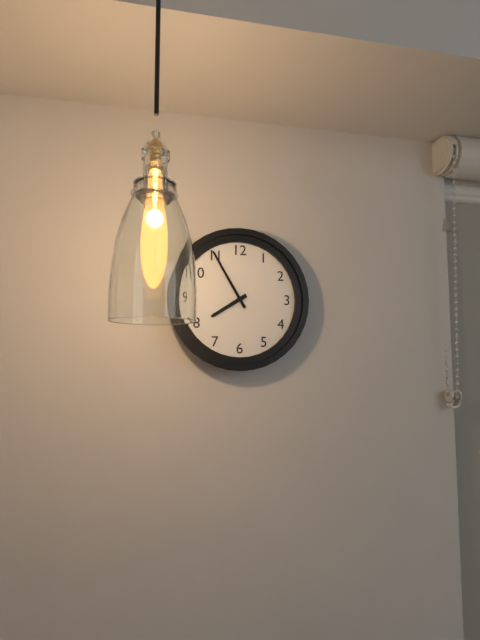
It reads 7,55
